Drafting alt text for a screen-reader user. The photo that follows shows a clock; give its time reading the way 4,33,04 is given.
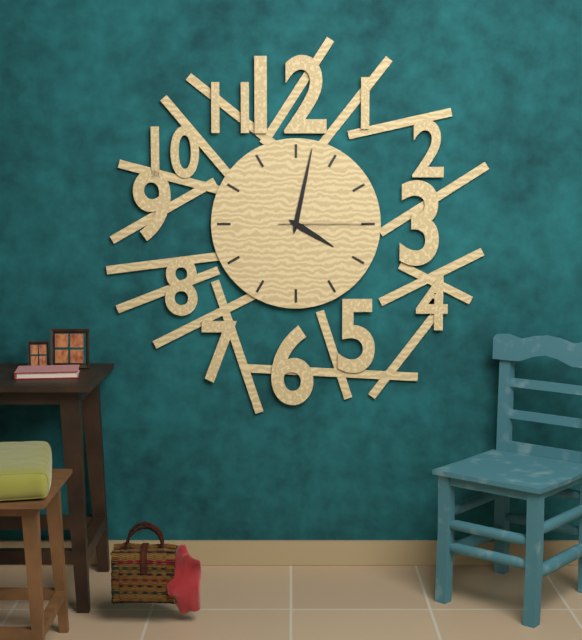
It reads 4,02,15
